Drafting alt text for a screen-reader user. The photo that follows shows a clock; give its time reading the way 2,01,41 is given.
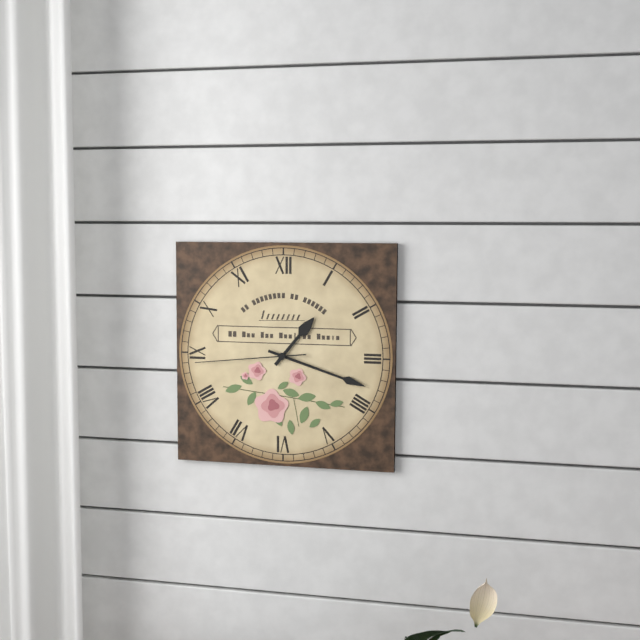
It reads 1,18,44
